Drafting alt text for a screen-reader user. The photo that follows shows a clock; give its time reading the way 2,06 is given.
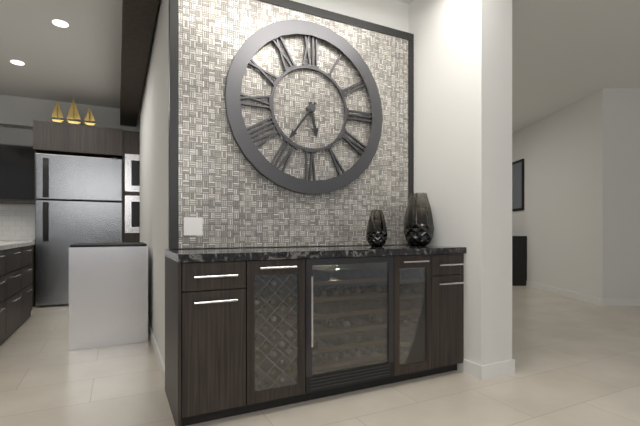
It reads 5,36
